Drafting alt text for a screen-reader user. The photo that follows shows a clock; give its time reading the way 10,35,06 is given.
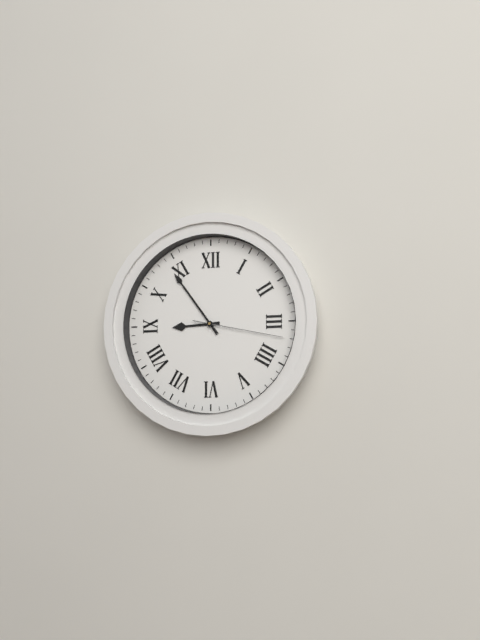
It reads 8,54,17
